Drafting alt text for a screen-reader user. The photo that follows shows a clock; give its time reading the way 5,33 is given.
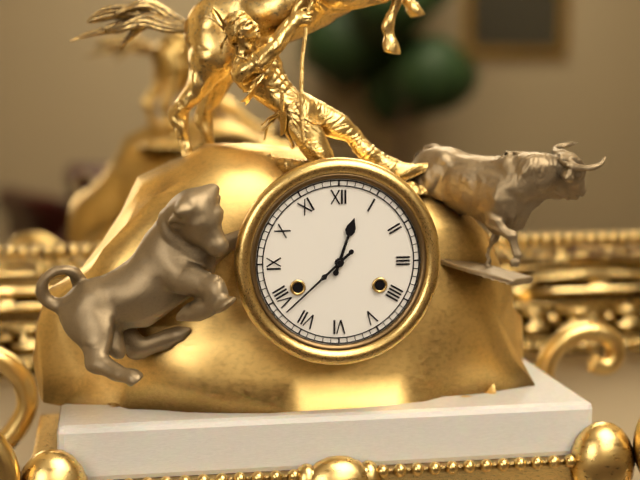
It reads 12,38
